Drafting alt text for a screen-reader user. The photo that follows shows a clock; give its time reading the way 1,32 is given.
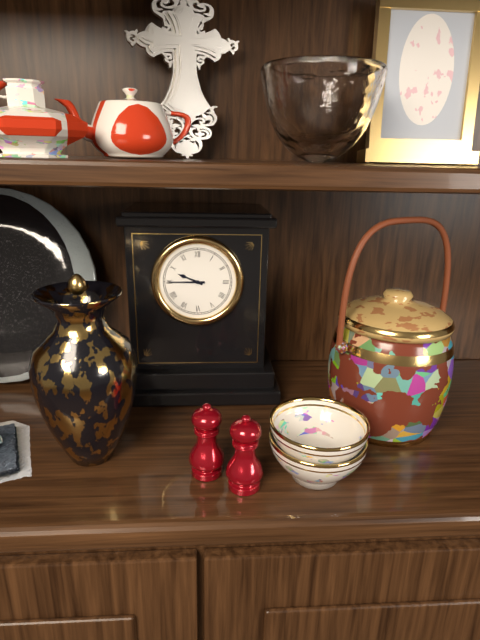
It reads 9,45
